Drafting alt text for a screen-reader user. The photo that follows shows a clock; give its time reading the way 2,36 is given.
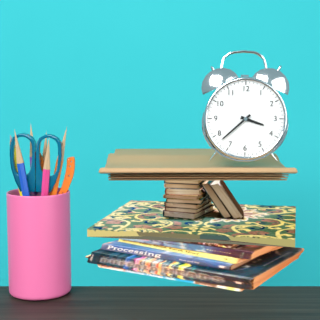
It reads 3,38
